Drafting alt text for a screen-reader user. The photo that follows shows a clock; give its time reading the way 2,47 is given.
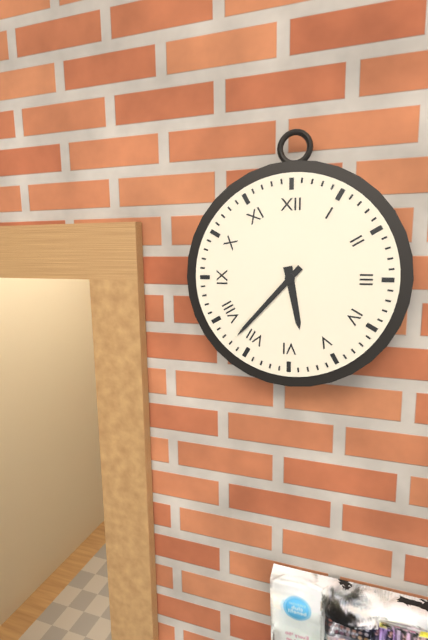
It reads 5,37
